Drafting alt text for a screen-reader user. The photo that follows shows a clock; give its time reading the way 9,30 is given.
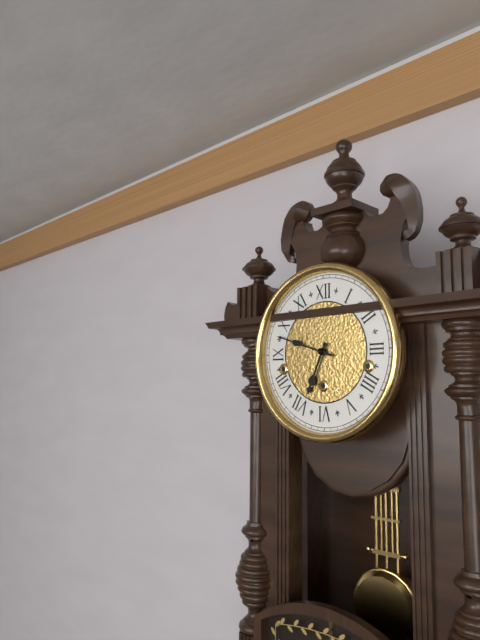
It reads 6,48
